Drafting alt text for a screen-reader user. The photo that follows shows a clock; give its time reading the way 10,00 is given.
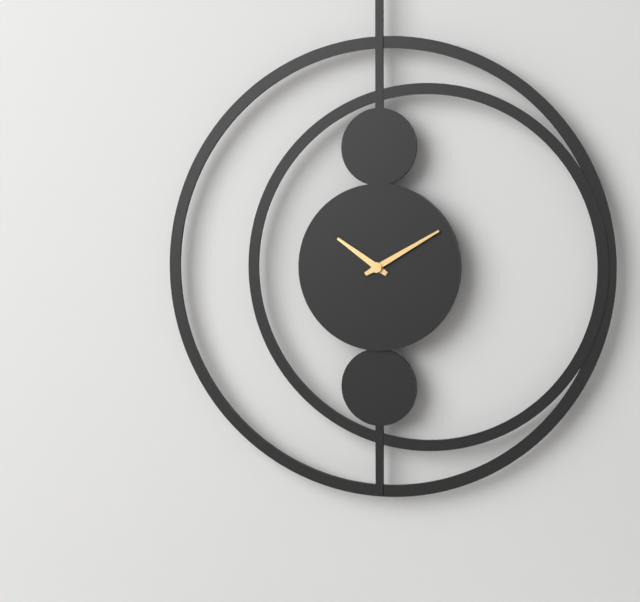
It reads 10,10
